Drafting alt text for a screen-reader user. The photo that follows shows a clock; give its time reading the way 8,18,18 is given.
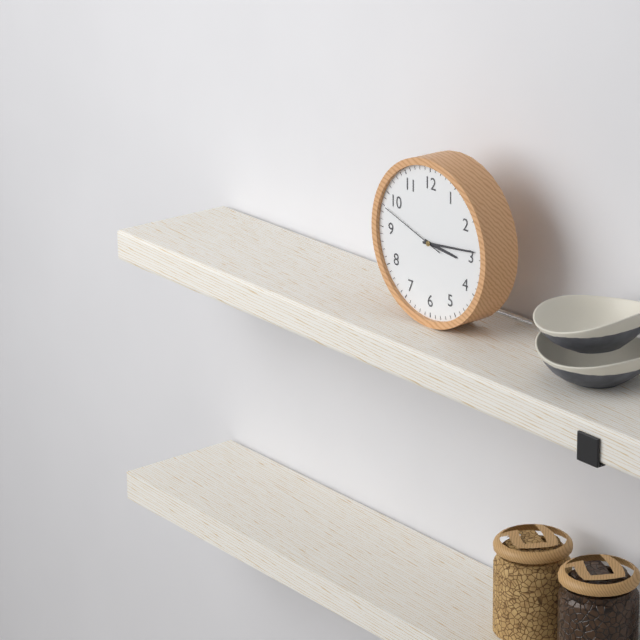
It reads 3,14,48
